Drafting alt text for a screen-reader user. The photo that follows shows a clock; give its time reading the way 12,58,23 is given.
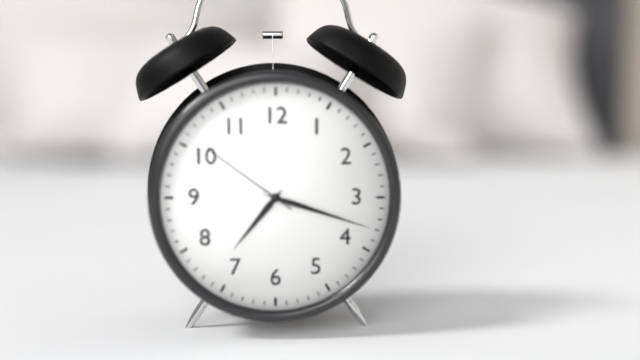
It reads 7,18,51
